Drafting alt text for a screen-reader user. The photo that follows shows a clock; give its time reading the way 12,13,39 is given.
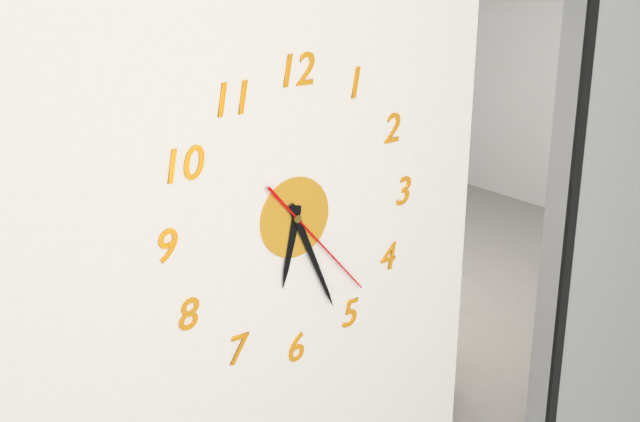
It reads 6,26,23
